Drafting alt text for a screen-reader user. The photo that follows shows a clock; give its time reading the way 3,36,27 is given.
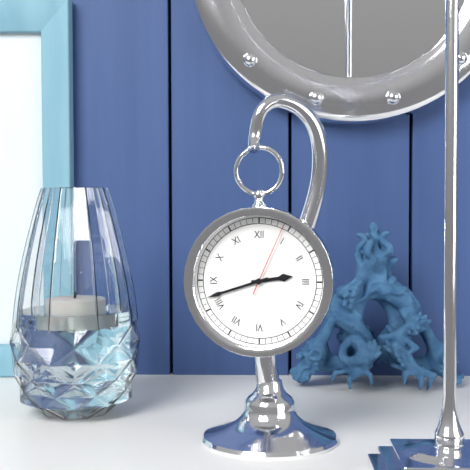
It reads 2,42,04
